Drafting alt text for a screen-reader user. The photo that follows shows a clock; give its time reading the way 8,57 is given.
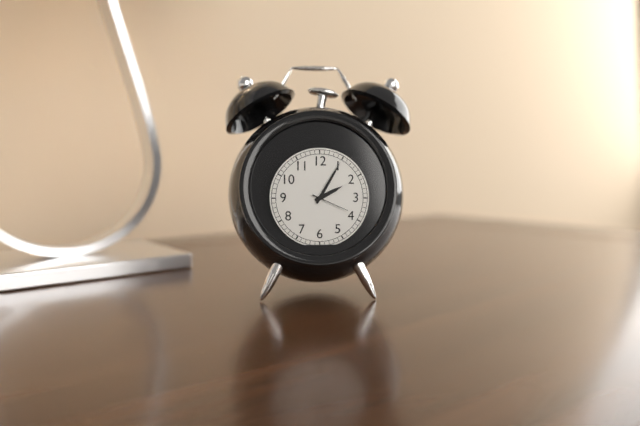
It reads 2,05
